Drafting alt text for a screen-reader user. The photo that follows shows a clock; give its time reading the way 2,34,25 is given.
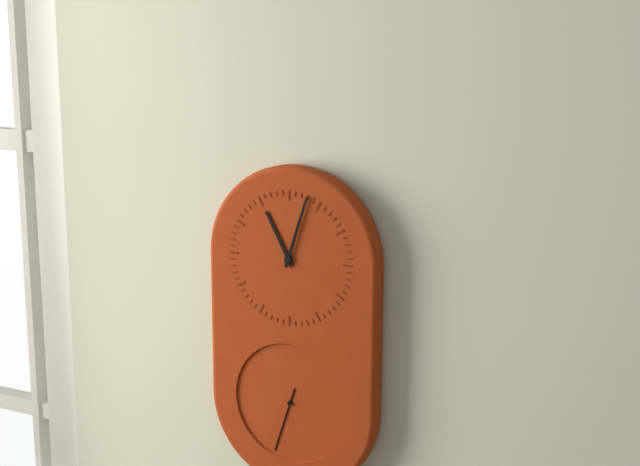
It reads 11,03,33
